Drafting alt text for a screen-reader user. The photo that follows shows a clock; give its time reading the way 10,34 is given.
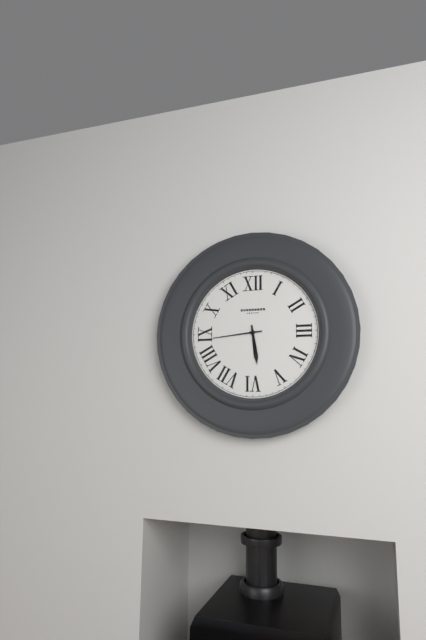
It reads 5,44
